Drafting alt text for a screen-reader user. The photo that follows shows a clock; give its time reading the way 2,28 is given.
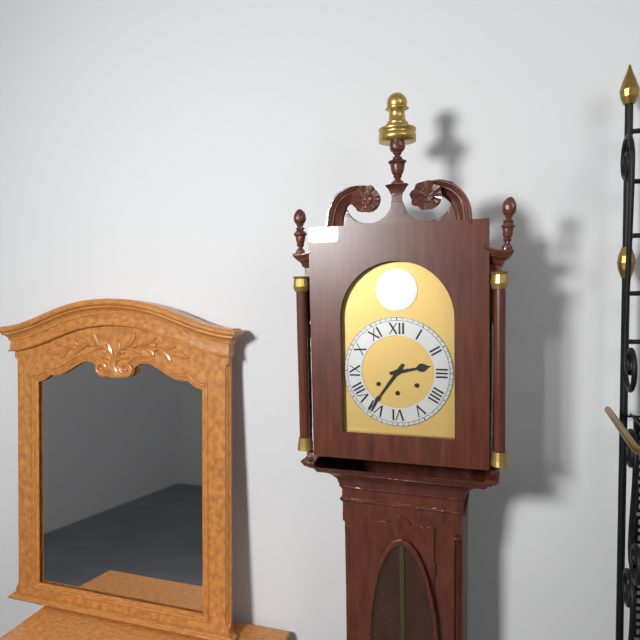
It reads 2,36
